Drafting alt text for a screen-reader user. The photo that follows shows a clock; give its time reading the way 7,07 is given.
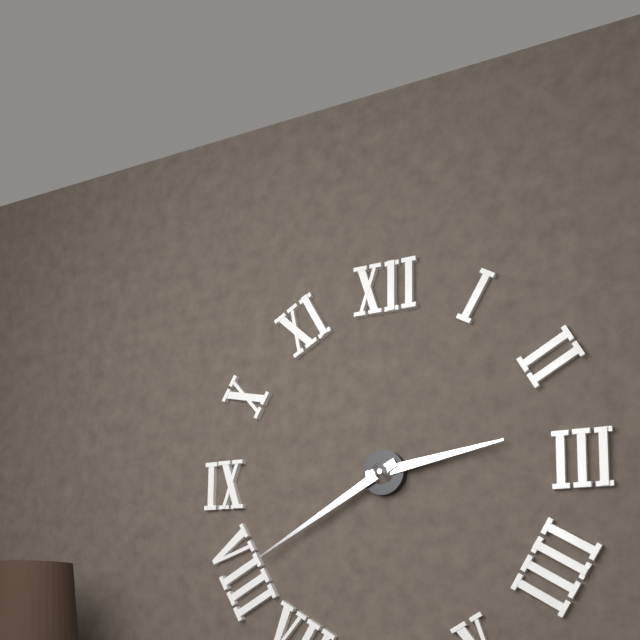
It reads 2,40
